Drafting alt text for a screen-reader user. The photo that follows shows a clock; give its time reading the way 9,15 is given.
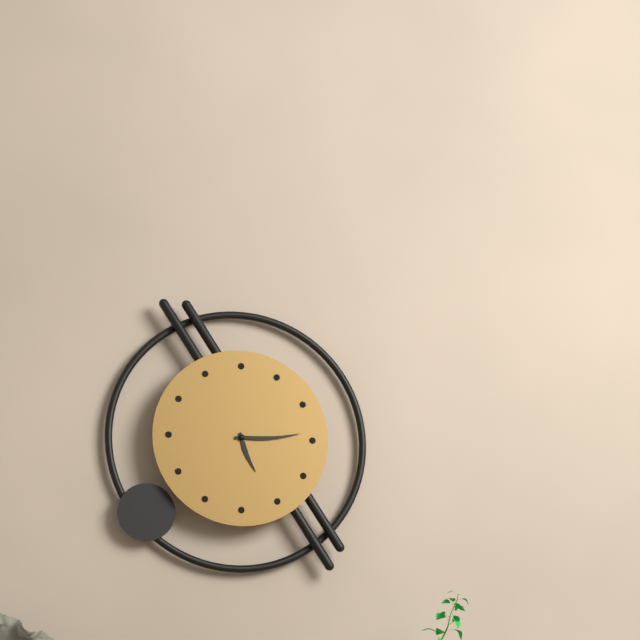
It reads 5,14
